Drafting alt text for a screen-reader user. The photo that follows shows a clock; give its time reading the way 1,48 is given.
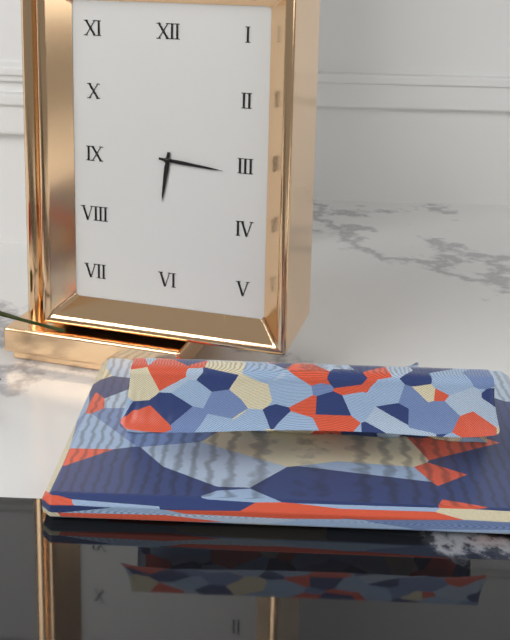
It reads 6,16
